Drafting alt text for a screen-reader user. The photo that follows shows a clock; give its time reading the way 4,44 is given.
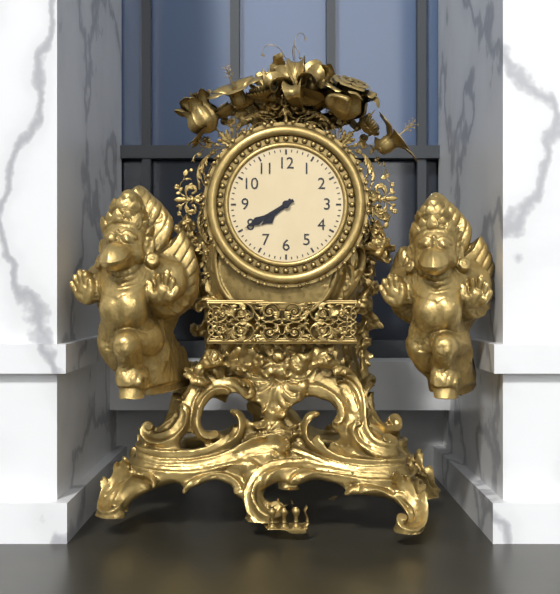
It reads 7,40
